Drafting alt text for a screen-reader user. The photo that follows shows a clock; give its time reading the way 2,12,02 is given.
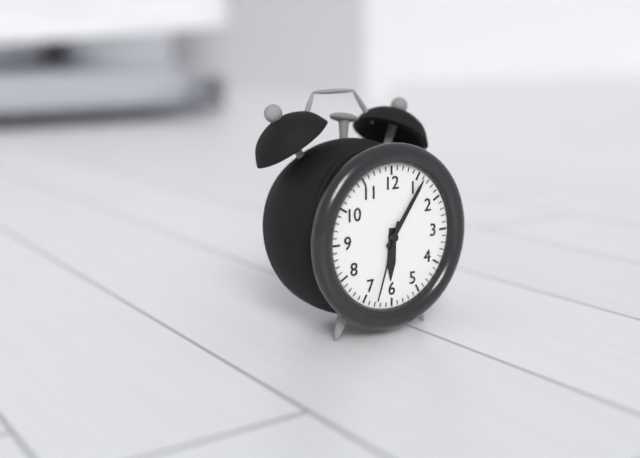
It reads 6,06,33
